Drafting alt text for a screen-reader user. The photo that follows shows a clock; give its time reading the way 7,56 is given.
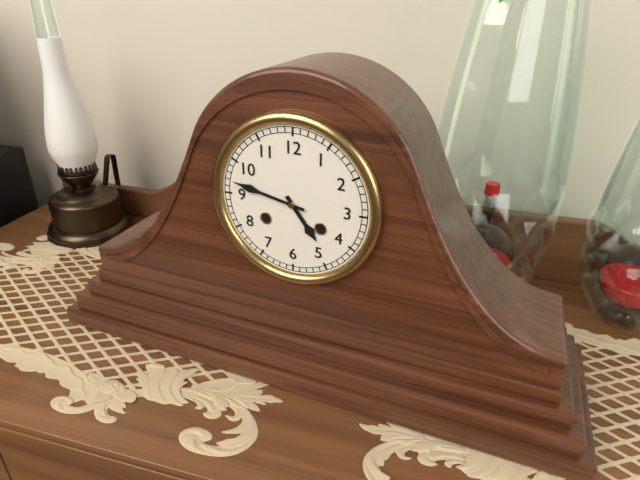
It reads 4,47
